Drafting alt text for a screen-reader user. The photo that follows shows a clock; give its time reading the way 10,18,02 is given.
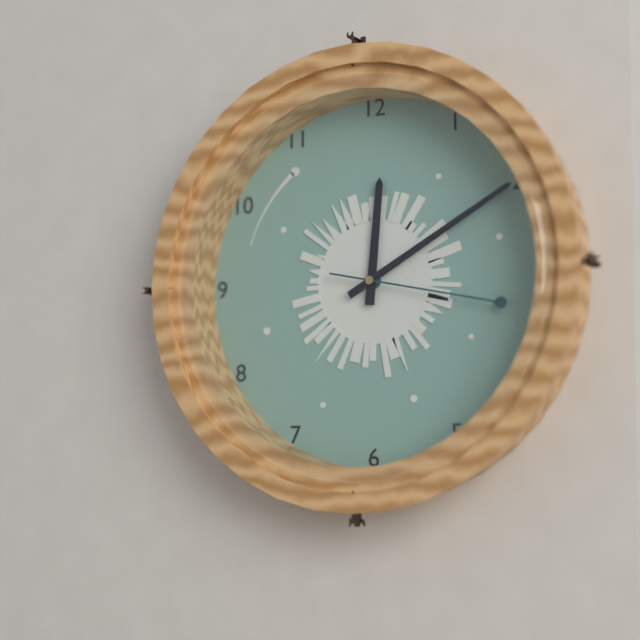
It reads 12,10,17
